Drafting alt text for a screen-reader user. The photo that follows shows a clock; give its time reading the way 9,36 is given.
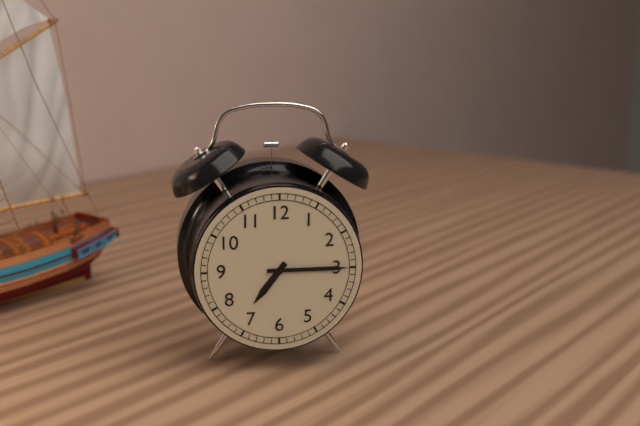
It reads 7,15
